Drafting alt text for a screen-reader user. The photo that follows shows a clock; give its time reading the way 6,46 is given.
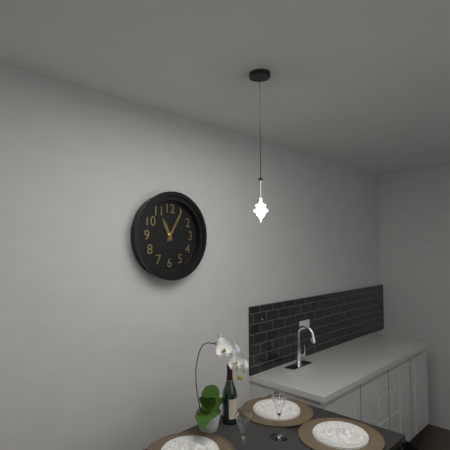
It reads 11,05
